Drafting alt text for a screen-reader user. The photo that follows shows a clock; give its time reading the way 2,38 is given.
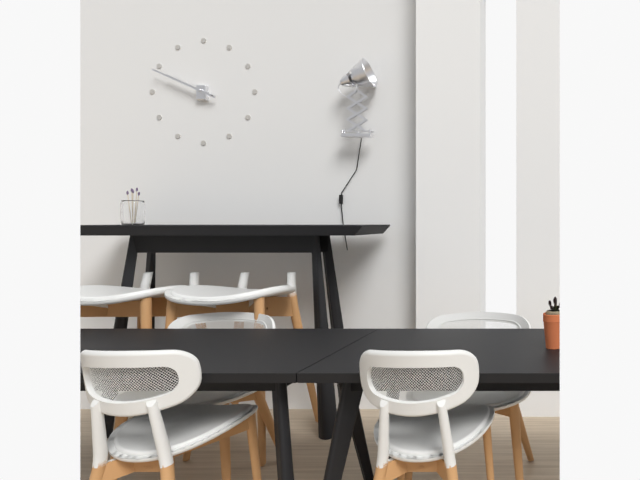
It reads 9,49
